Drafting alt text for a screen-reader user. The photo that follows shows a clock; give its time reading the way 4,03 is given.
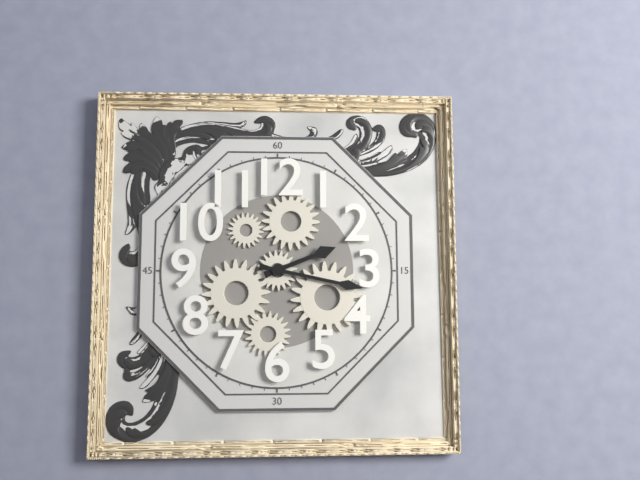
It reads 2,17
